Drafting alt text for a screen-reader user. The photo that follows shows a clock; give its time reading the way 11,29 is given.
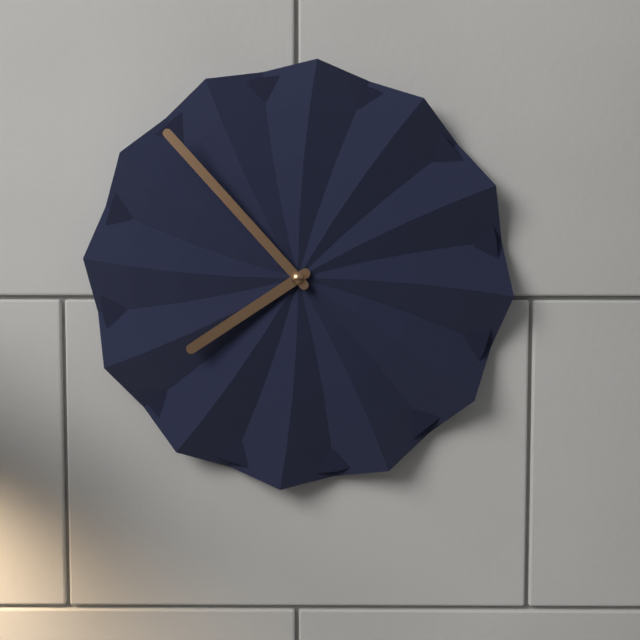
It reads 7,53
